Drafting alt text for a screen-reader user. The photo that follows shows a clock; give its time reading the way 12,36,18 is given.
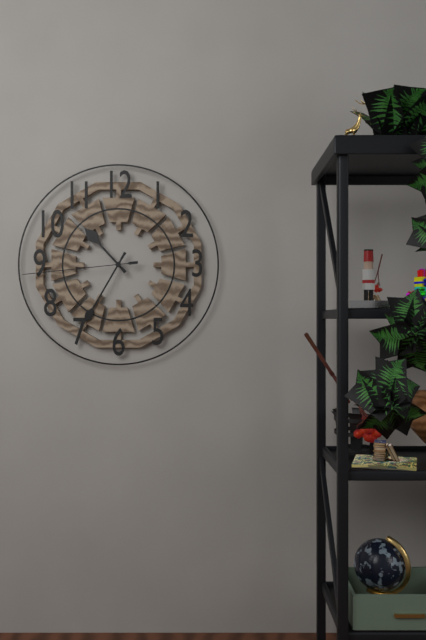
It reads 10,35,44
